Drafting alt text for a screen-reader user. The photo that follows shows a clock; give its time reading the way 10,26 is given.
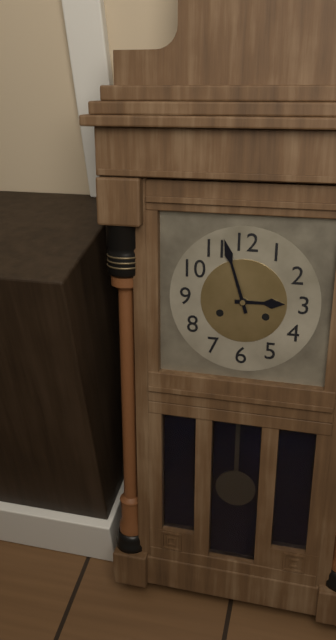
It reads 2,57
